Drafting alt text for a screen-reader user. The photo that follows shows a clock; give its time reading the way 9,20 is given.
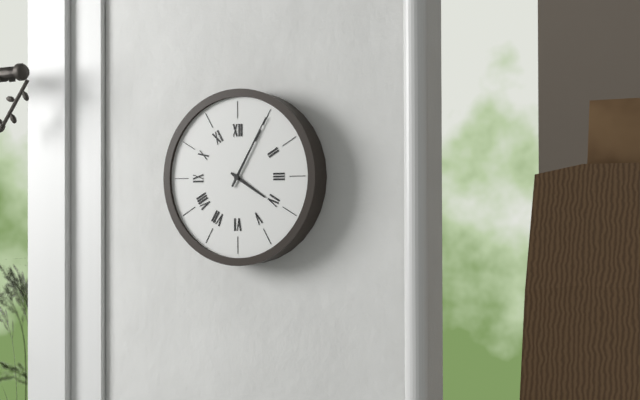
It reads 4,05
